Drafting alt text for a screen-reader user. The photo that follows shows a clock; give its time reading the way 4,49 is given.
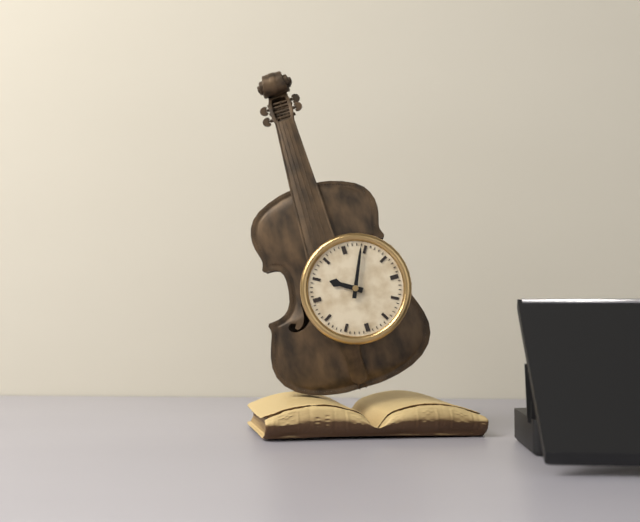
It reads 10,04
